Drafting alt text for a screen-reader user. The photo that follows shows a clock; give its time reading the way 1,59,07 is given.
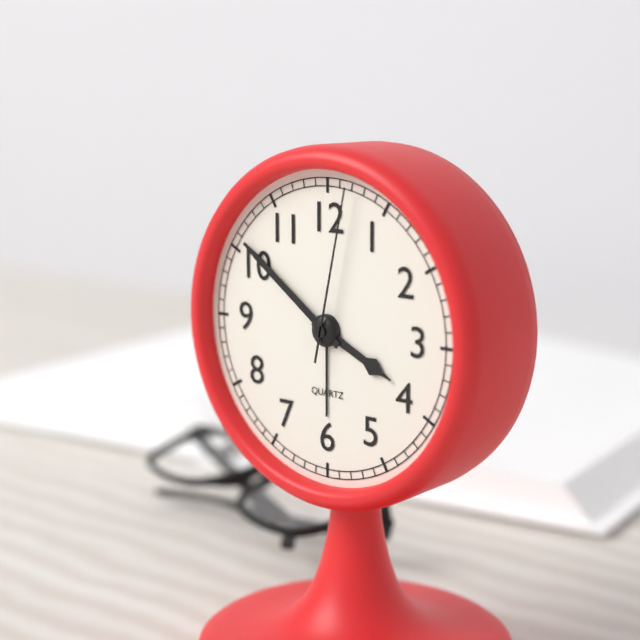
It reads 3,51,02
